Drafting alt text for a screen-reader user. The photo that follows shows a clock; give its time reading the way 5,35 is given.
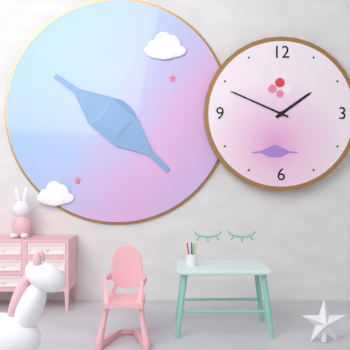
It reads 1,49
